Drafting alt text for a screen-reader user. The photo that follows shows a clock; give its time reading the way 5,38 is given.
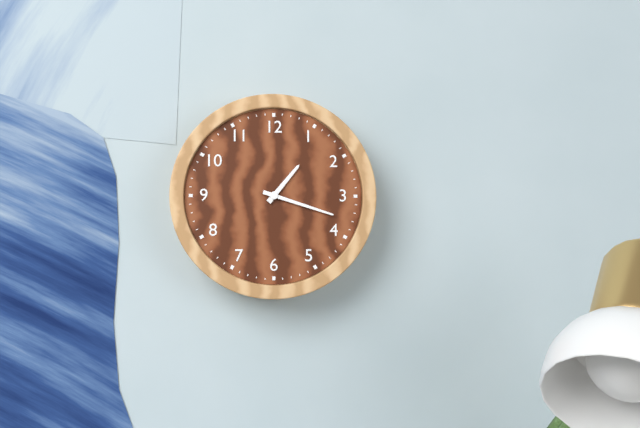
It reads 1,18
